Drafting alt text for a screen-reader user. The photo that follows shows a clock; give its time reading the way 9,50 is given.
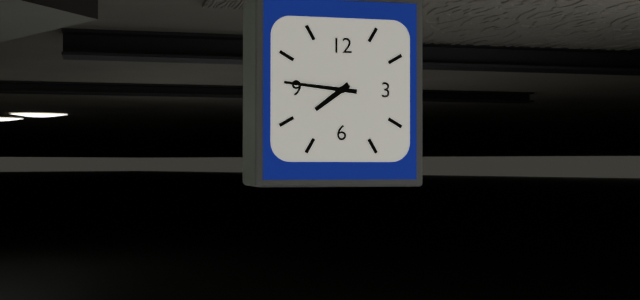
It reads 7,46
